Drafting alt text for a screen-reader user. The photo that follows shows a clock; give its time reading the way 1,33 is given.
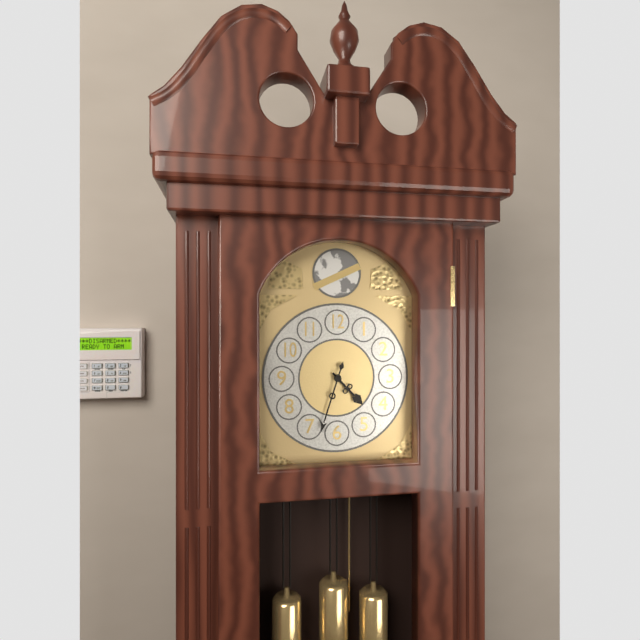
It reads 4,33
